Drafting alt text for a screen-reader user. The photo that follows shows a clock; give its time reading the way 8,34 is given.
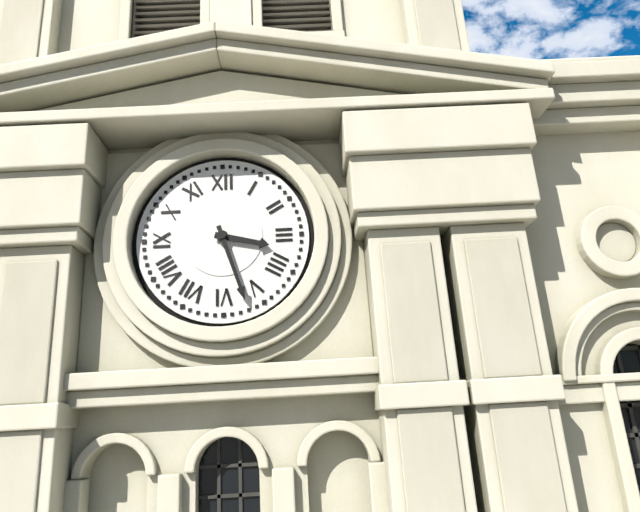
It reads 3,27
